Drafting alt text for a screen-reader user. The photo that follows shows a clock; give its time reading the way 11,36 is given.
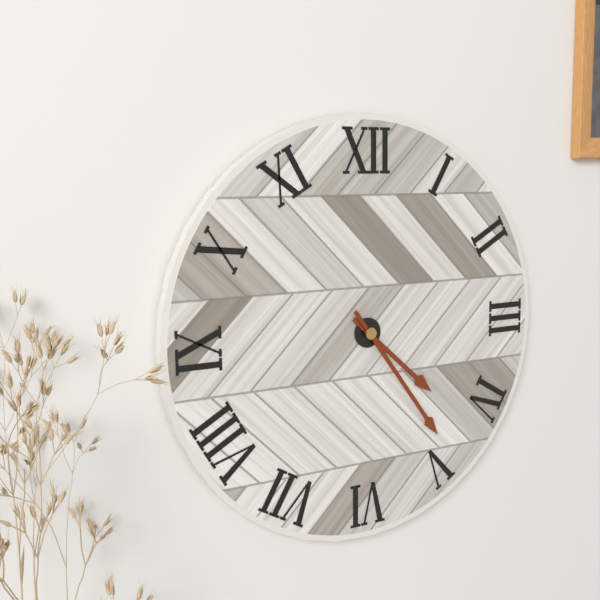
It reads 4,24
